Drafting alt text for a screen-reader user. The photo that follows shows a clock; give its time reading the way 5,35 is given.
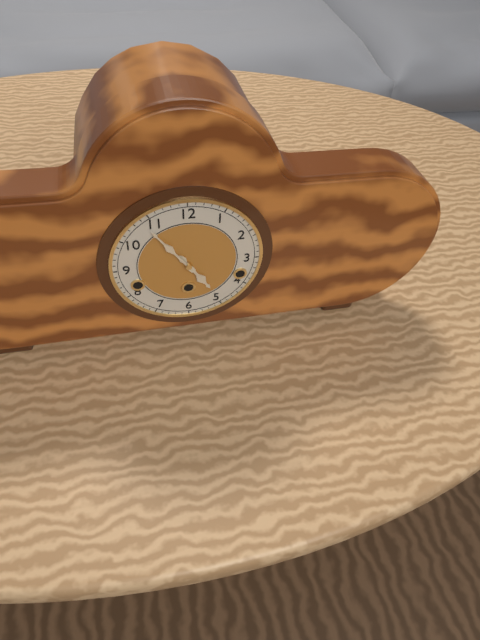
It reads 4,54
